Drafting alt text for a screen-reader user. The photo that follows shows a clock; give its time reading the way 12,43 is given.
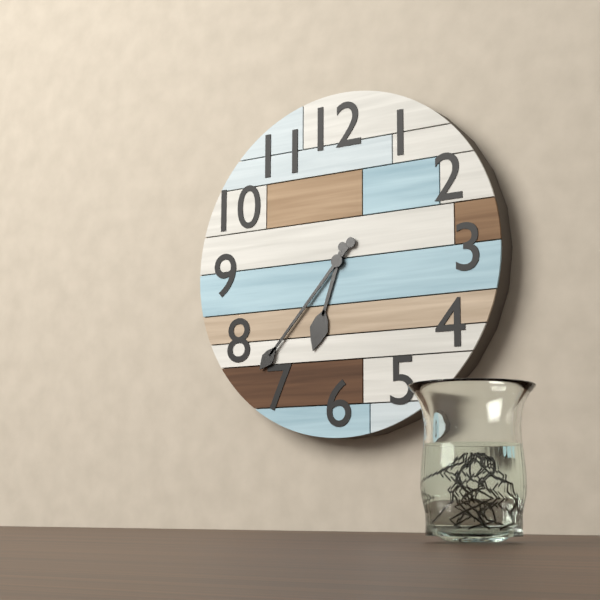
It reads 6,37
